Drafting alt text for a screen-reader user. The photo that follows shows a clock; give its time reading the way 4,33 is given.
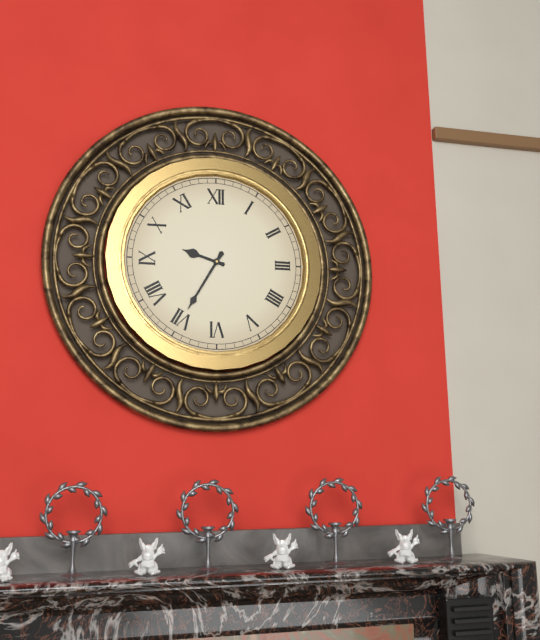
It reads 9,35
